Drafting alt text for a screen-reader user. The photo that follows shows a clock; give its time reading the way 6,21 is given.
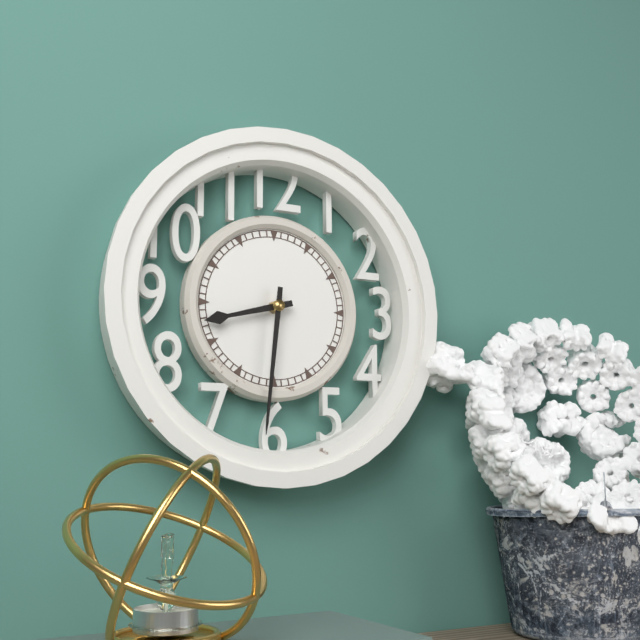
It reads 8,31
